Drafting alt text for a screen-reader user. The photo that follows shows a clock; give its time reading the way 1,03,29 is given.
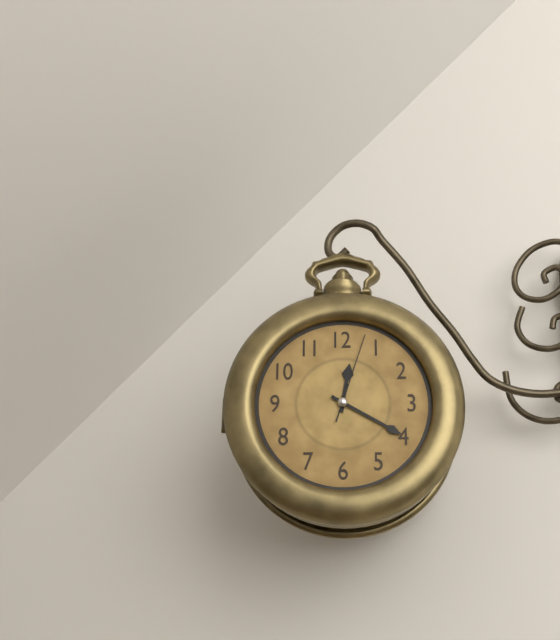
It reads 12,20,03
